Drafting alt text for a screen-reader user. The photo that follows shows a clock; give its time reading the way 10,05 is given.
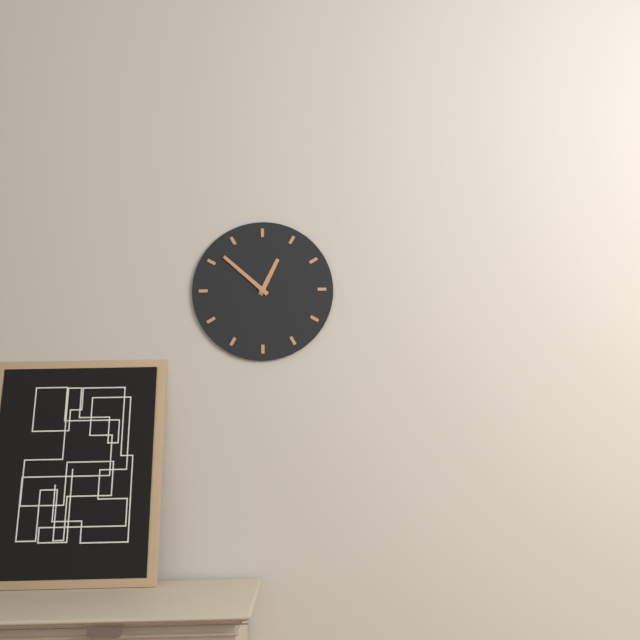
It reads 12,52
